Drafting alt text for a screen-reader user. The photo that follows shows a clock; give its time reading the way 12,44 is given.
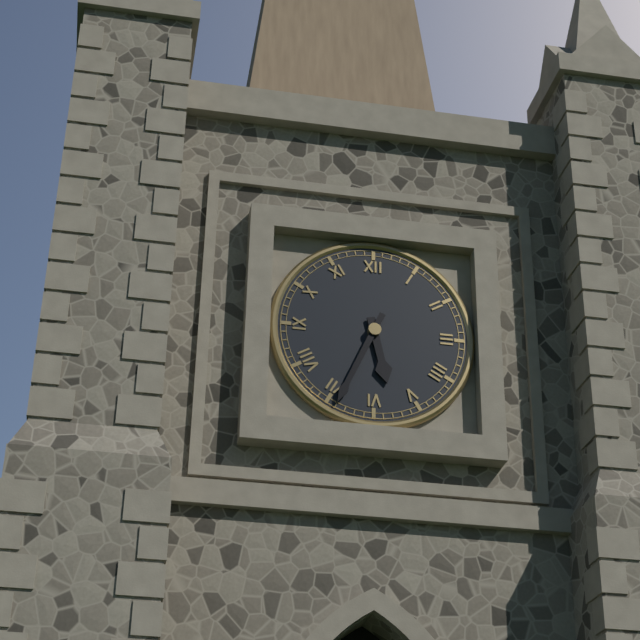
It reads 5,34
